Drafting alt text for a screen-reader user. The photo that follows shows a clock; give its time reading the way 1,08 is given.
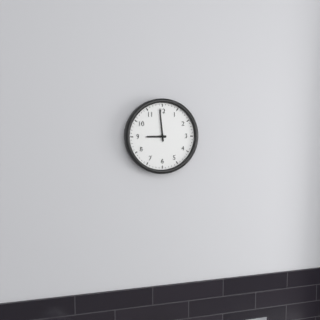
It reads 8,59
